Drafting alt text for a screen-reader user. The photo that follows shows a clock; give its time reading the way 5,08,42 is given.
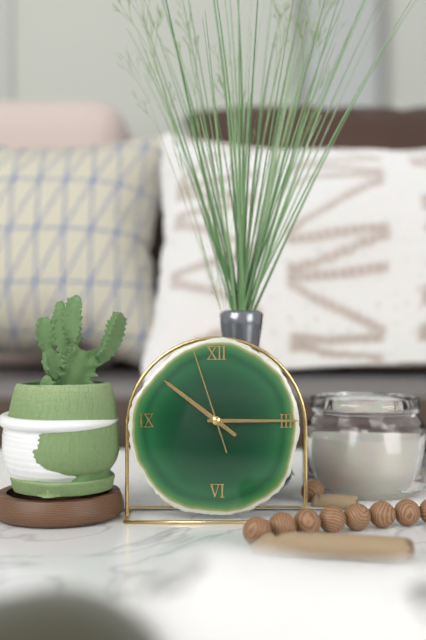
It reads 10,15,57
